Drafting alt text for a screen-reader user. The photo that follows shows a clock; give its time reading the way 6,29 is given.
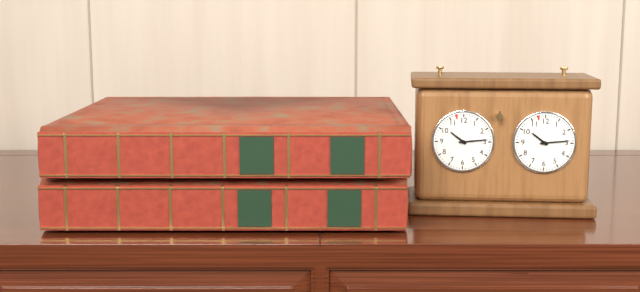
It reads 10,14
